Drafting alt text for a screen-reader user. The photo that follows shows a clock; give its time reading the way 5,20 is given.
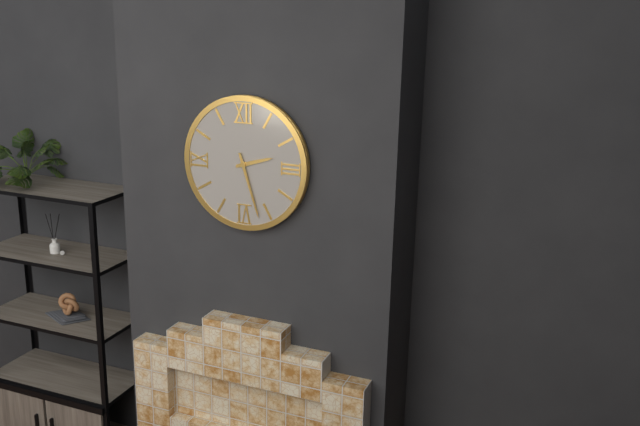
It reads 2,27
